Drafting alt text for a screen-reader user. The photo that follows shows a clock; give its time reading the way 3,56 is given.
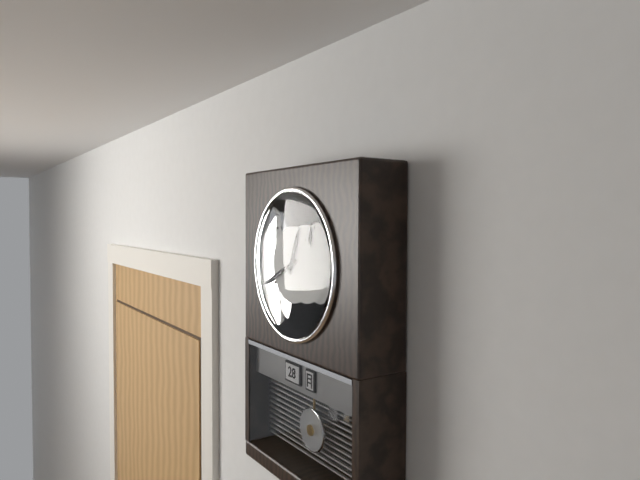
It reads 12,41
